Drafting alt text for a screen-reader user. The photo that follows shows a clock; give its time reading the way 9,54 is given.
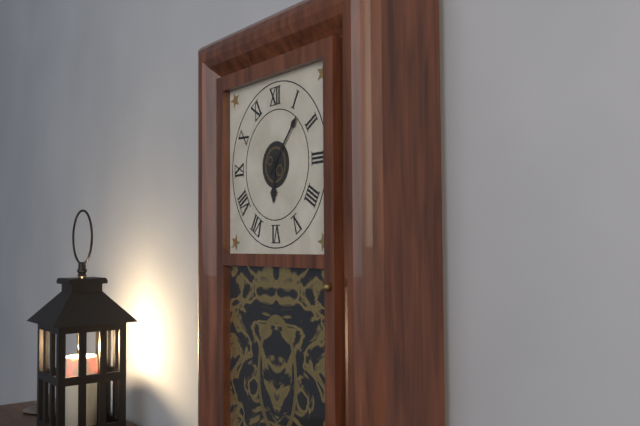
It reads 6,07
